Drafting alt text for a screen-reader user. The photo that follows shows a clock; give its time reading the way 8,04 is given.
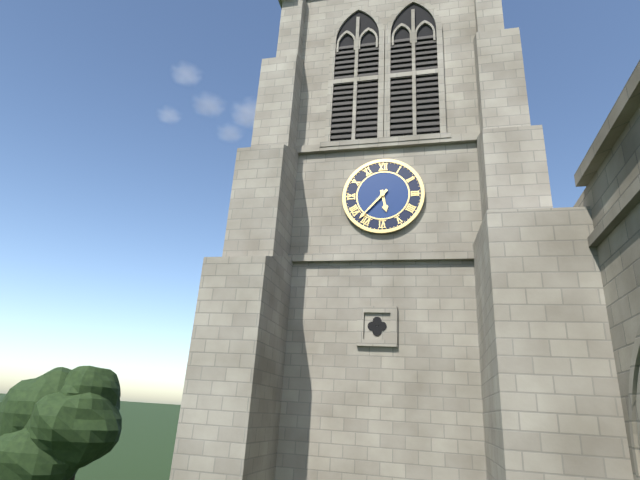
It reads 5,37
